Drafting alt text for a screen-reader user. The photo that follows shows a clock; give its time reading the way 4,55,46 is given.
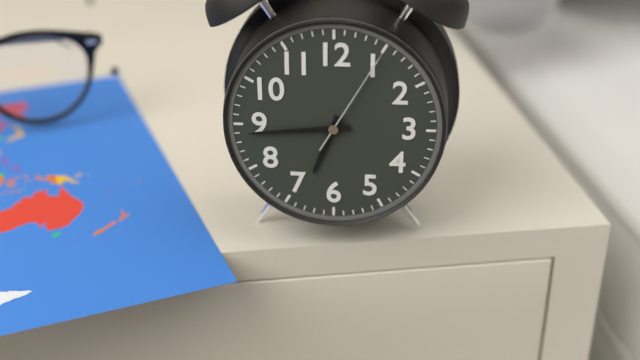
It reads 6,44,05
